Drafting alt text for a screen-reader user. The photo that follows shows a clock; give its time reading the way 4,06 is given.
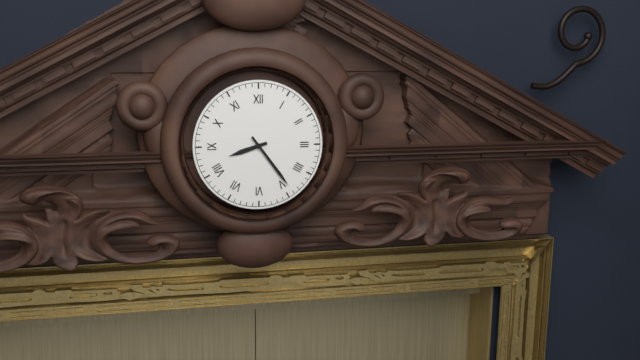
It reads 8,24
